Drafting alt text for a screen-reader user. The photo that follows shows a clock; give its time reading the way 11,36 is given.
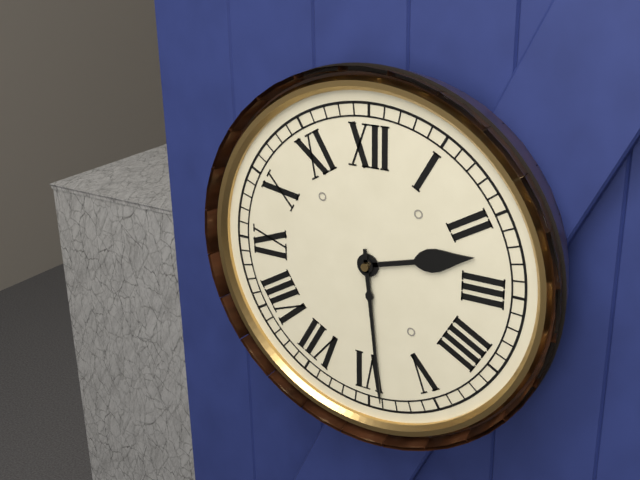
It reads 2,29
